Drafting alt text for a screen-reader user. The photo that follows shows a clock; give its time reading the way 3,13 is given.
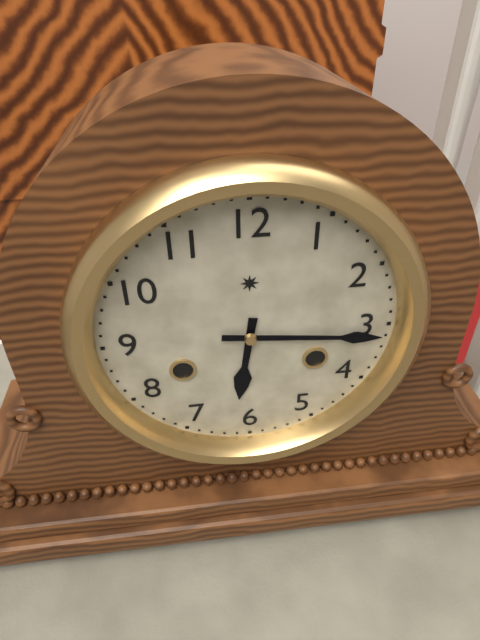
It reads 6,16
